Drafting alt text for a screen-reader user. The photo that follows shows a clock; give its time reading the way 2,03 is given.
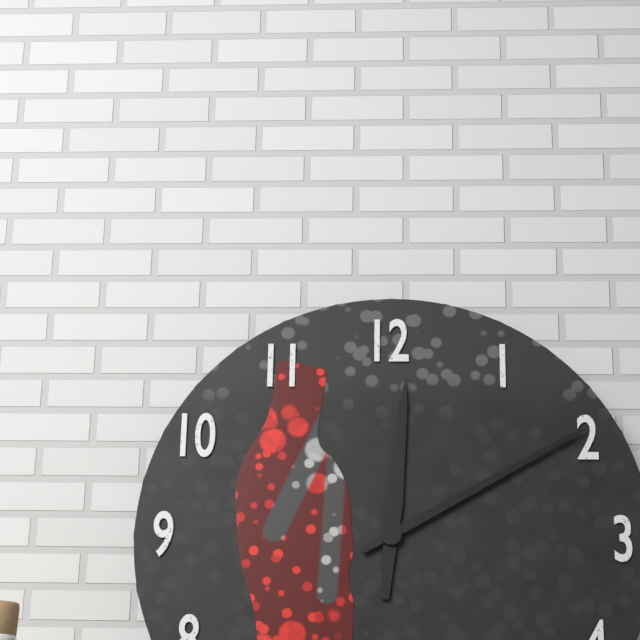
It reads 12,10
